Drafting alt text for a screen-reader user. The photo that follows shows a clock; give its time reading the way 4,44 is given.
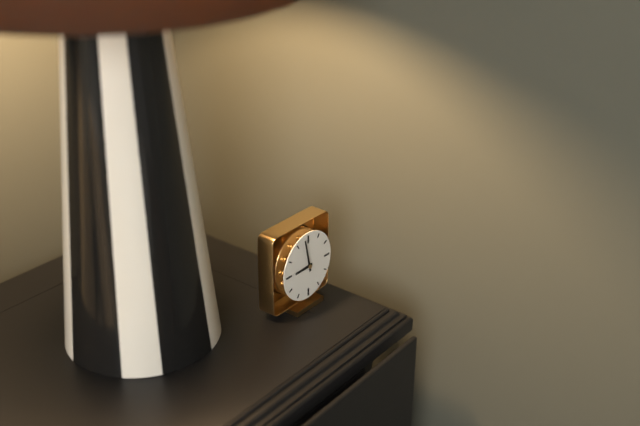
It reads 8,58
